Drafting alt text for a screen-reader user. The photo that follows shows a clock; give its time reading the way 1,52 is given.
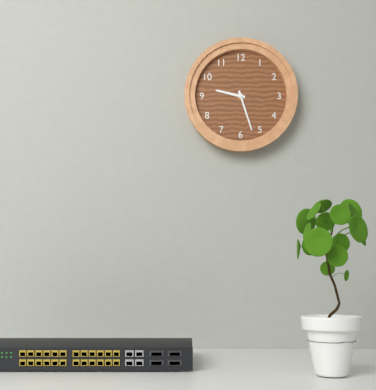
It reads 9,27
